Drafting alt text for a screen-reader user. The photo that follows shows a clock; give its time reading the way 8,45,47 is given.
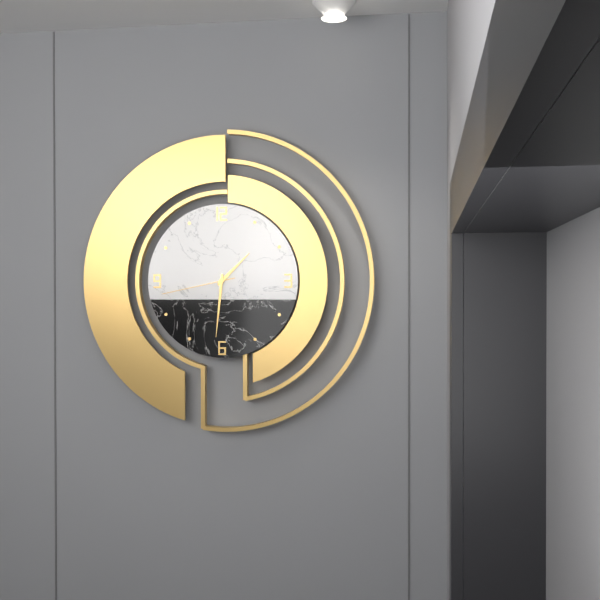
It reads 1,31,43
